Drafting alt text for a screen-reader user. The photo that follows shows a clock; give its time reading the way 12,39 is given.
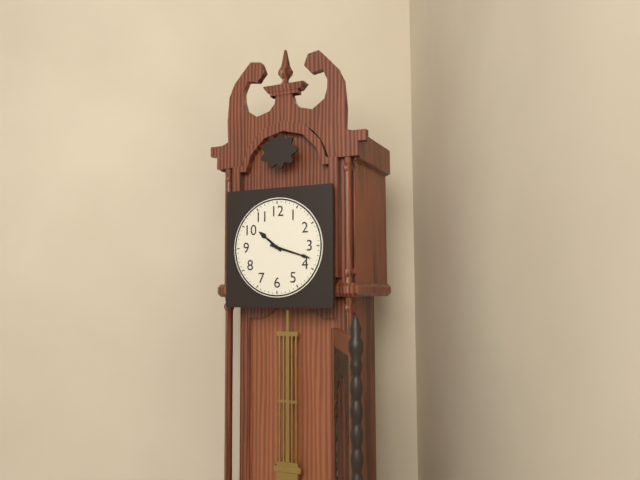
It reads 10,18
